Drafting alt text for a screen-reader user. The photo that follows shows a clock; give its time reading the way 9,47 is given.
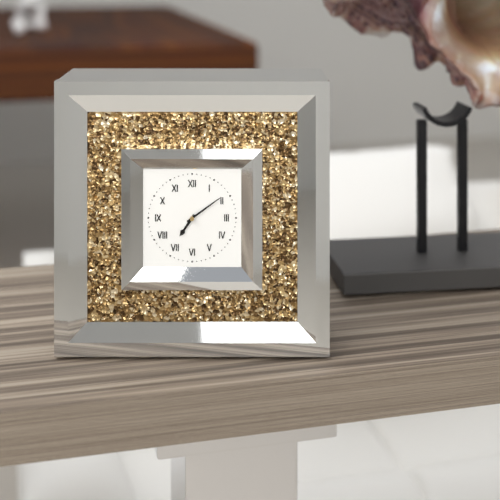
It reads 7,09
